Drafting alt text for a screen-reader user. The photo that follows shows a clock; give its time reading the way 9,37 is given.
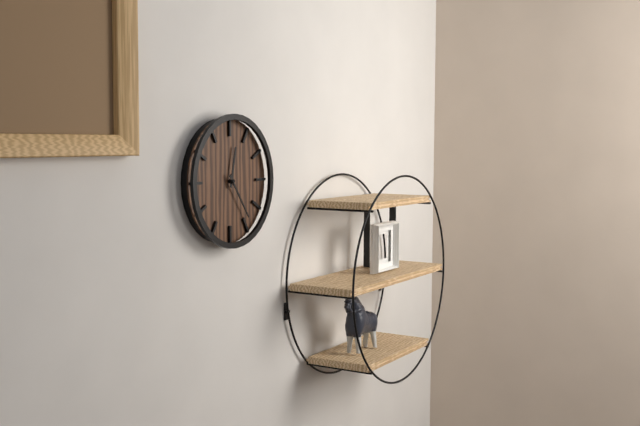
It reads 12,24
